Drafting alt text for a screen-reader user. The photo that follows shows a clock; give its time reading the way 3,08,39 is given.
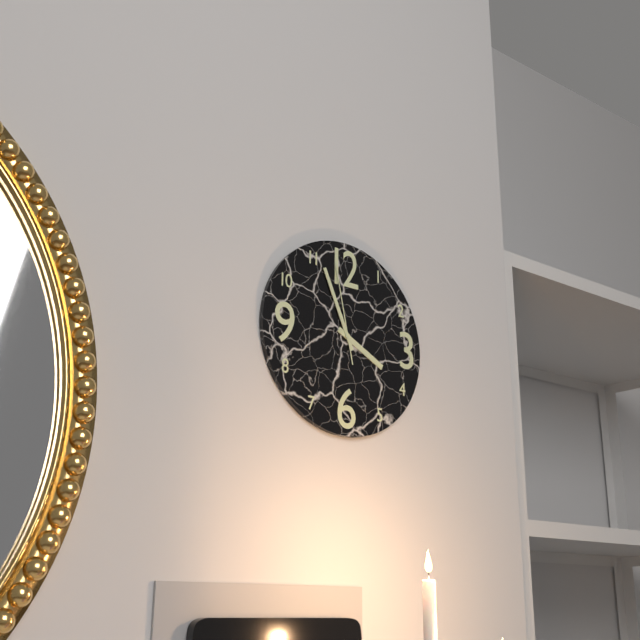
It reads 3,56,58
